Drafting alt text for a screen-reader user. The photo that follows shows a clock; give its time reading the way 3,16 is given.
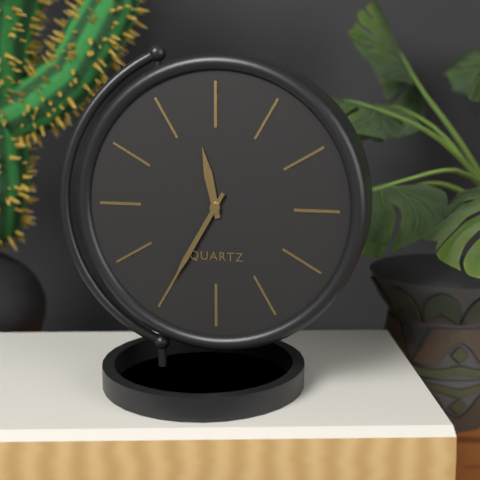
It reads 11,35
